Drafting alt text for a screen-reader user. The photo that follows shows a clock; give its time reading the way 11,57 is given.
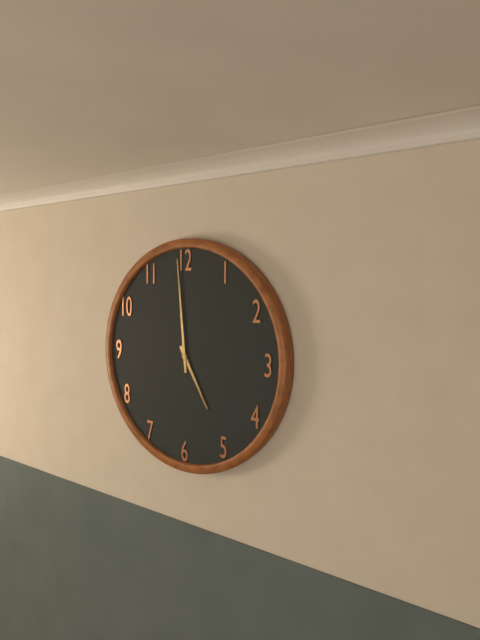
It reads 4,59
